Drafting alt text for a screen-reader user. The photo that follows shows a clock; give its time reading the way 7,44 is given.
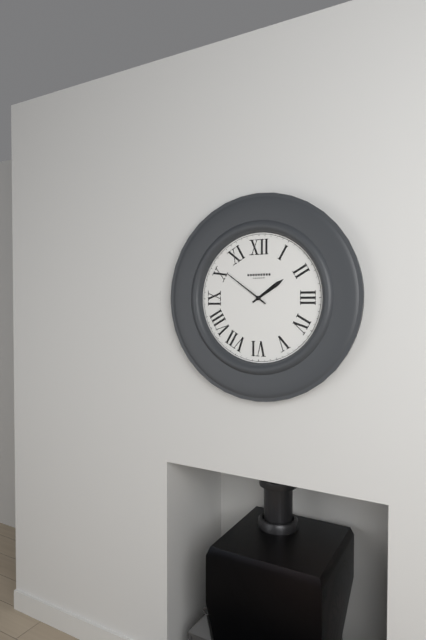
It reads 1,51
